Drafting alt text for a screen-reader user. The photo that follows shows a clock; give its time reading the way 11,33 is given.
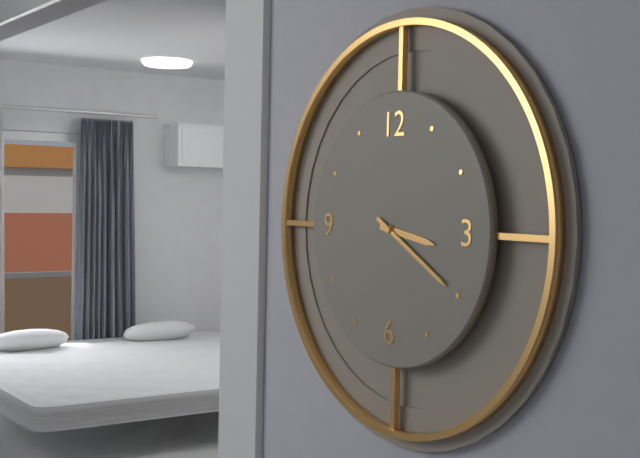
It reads 3,20
